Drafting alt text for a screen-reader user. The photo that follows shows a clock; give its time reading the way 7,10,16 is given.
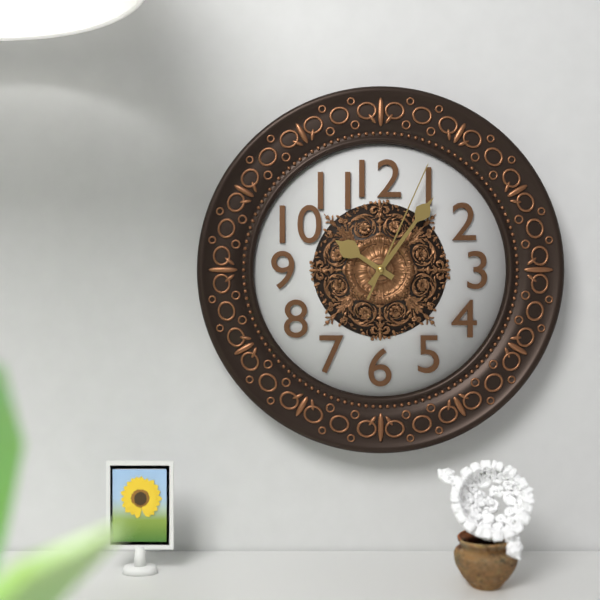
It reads 10,06,04
